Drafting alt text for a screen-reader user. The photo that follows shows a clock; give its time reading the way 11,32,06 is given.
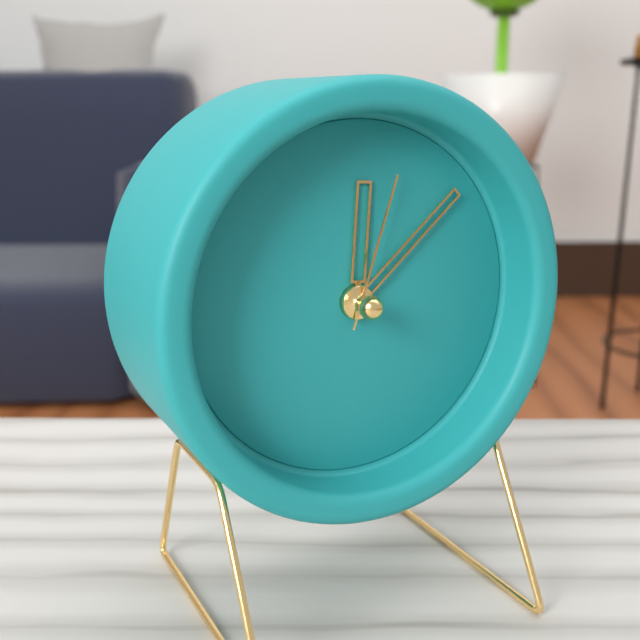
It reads 12,08,03
